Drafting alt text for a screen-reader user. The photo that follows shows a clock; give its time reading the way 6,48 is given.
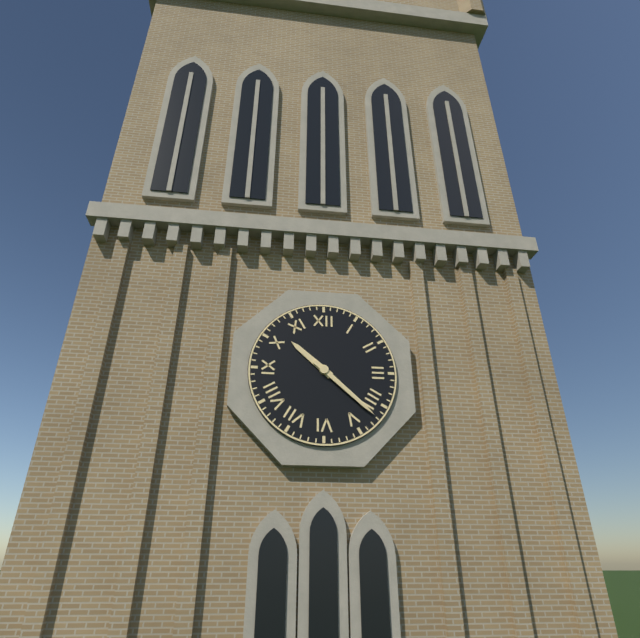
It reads 10,22
